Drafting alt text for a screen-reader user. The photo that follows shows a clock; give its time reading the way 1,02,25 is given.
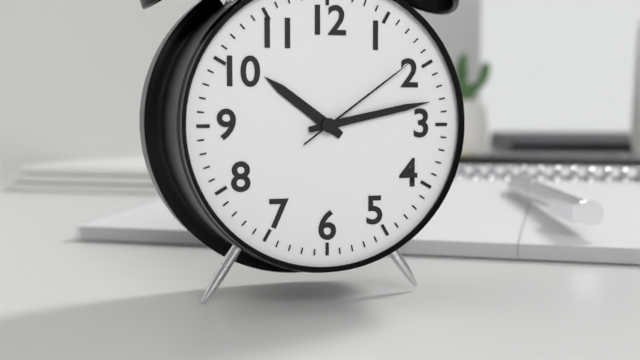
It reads 10,13,09
